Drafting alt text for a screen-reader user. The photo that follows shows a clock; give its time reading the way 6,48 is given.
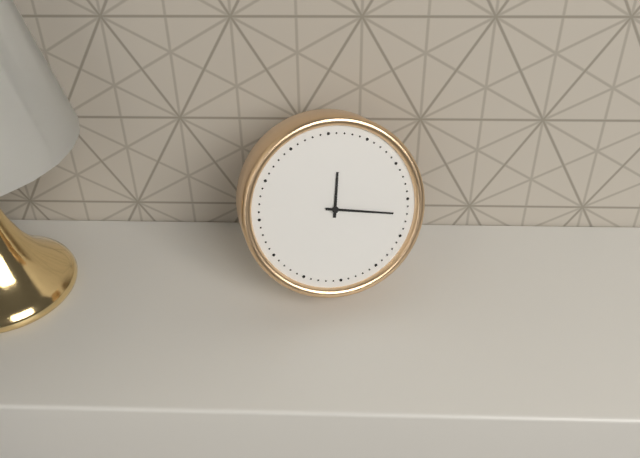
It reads 12,17
